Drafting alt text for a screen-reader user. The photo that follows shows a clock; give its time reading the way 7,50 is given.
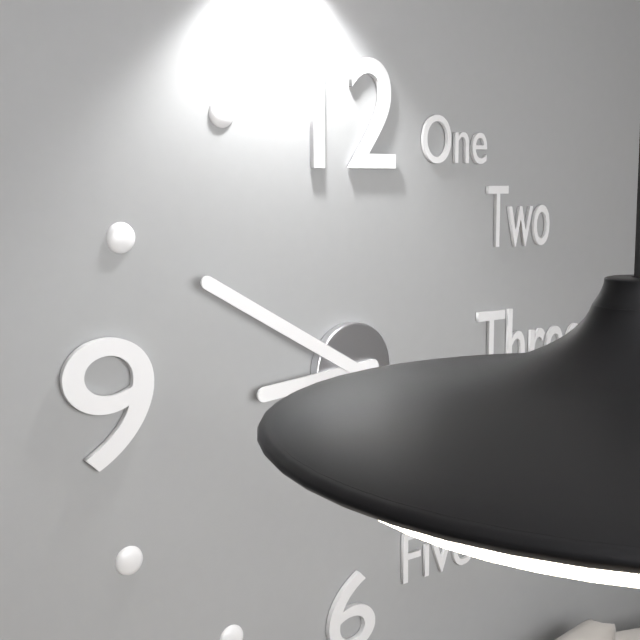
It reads 8,50
